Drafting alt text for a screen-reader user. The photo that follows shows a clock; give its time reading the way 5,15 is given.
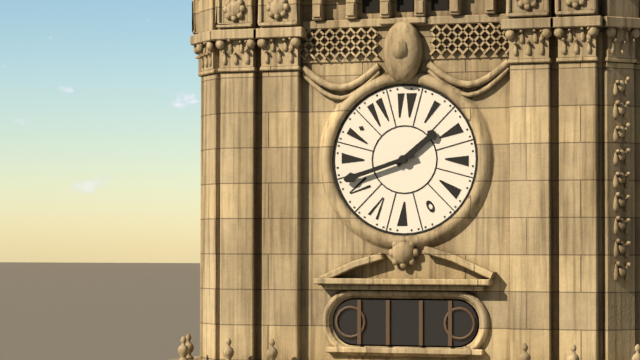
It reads 1,42
